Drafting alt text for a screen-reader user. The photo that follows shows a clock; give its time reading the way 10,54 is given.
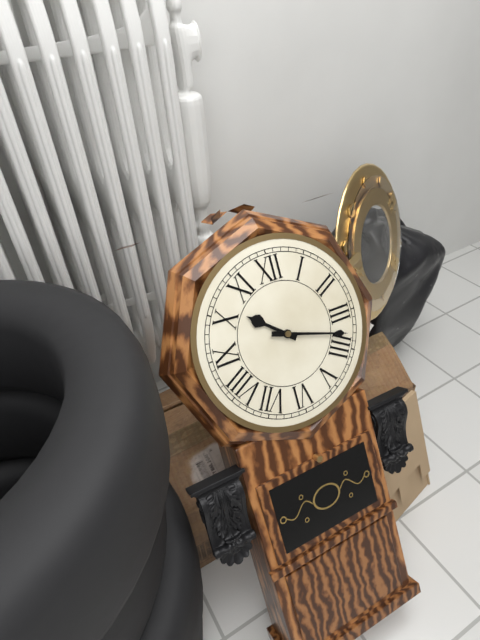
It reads 10,18
